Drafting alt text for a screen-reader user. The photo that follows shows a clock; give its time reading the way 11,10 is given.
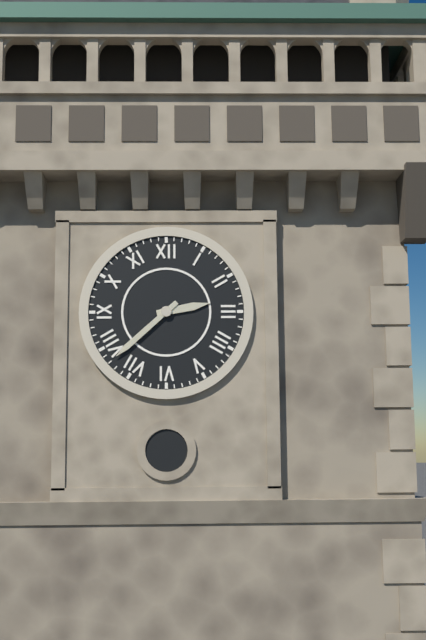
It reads 2,38
